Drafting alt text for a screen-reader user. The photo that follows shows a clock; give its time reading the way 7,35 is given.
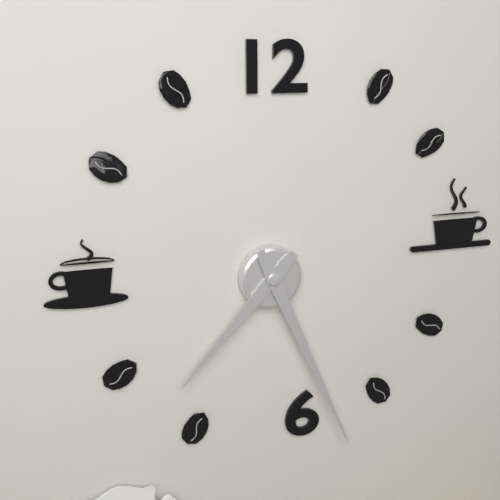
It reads 7,26
